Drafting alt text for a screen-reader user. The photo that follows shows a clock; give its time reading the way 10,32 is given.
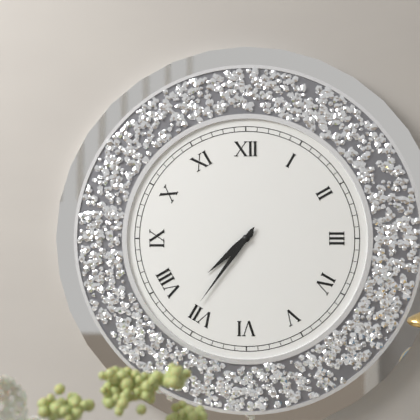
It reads 7,36
